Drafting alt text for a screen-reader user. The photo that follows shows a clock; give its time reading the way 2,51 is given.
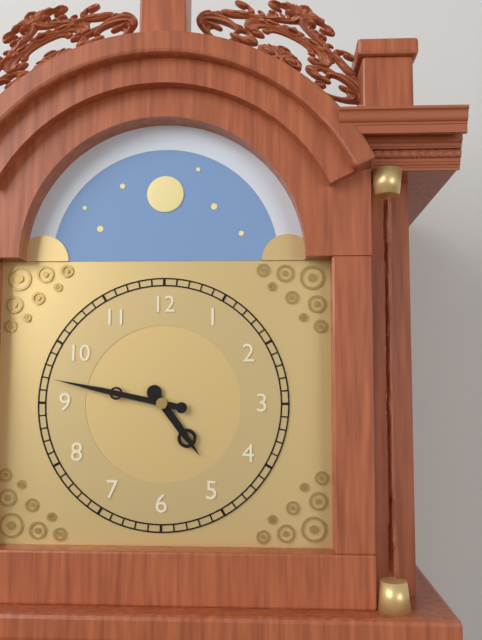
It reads 4,47
